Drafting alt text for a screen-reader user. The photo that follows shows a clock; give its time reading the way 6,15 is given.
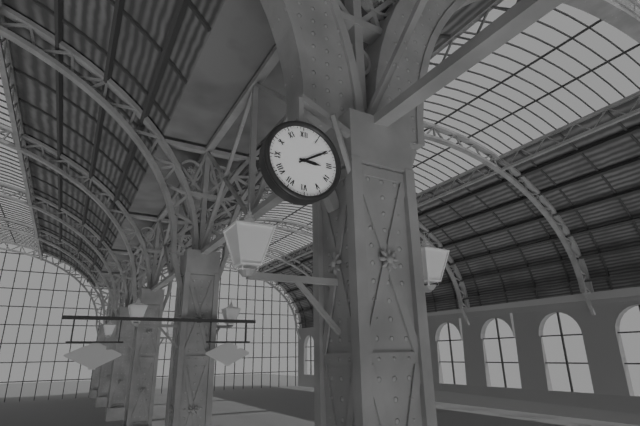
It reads 3,10
